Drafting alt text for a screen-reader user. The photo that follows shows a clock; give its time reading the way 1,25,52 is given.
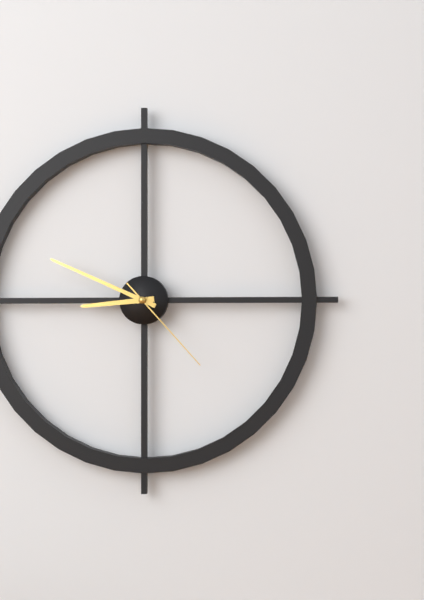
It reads 8,49,23
